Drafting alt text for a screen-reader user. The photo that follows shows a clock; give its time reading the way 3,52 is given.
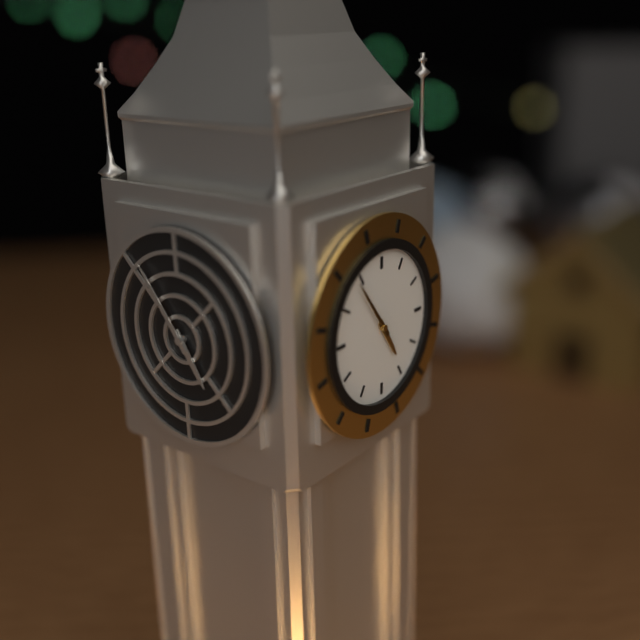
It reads 4,54
